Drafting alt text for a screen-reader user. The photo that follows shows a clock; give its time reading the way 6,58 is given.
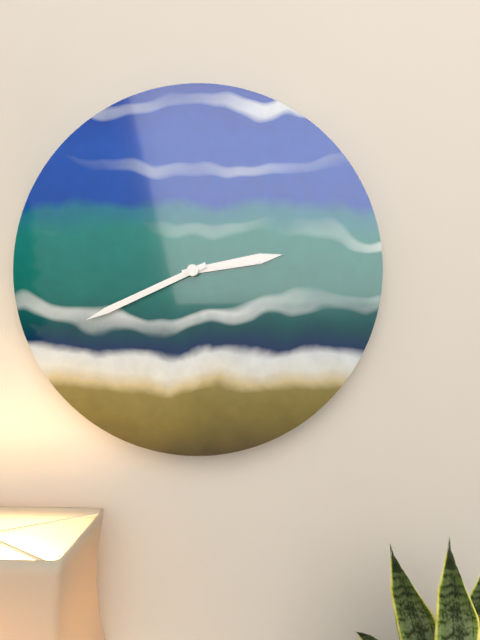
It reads 2,41
